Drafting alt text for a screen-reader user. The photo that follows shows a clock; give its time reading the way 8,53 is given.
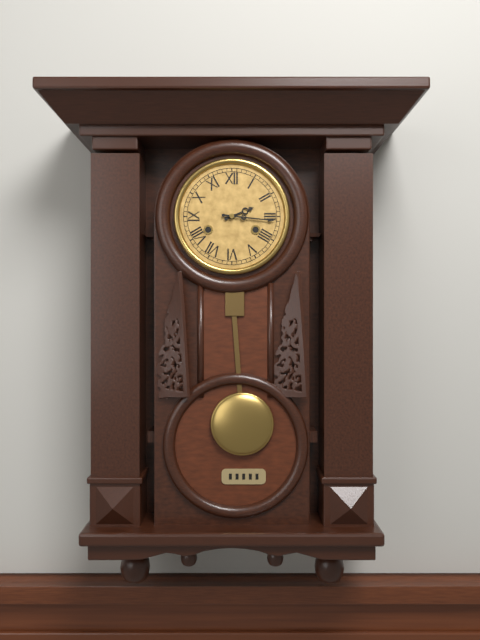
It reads 2,16
